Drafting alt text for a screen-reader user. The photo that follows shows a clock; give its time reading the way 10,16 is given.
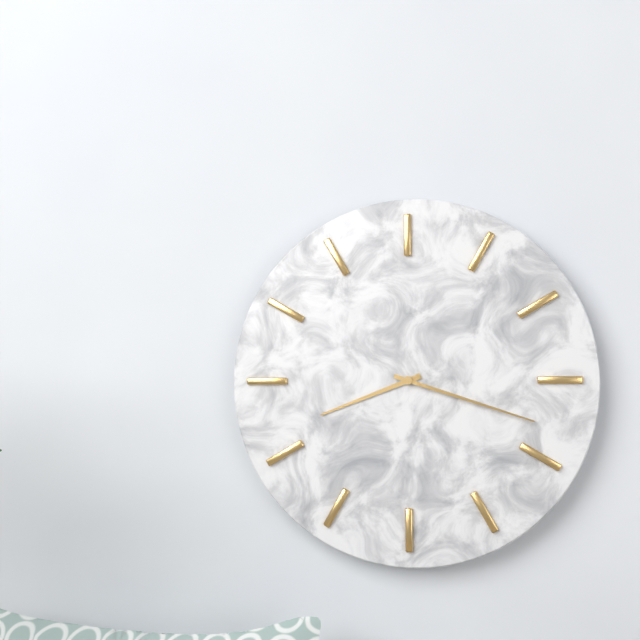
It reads 8,18
